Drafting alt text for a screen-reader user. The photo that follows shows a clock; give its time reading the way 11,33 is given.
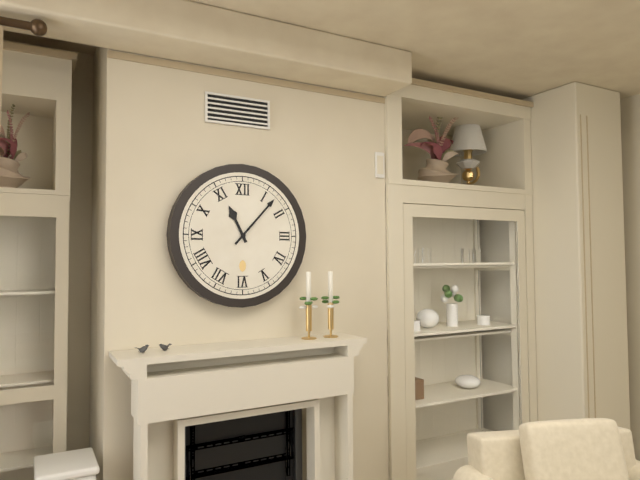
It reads 11,07
